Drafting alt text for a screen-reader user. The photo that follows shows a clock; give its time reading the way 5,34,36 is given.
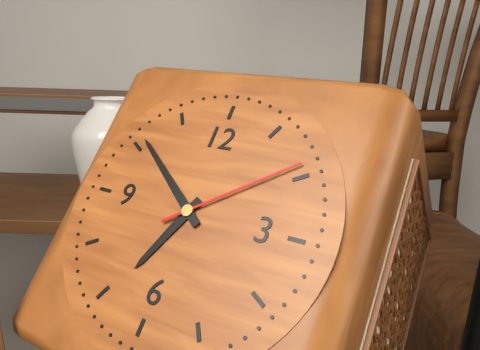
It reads 6,51,09
